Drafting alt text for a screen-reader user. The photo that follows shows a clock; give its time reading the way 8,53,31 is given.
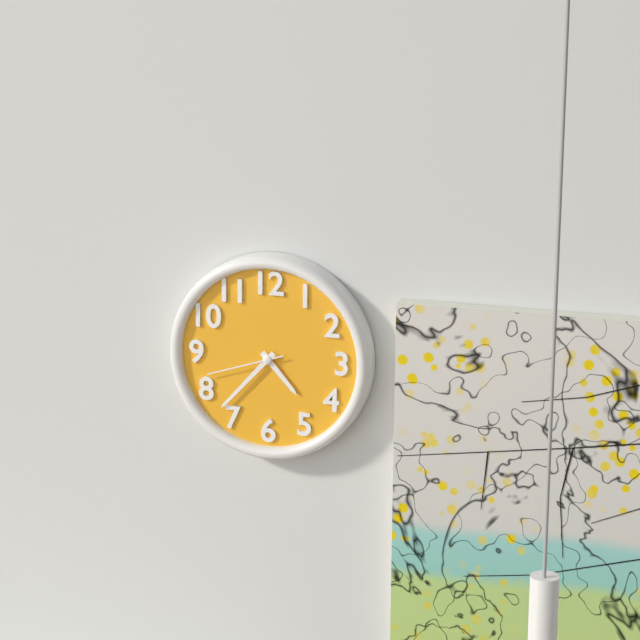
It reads 4,37,42
